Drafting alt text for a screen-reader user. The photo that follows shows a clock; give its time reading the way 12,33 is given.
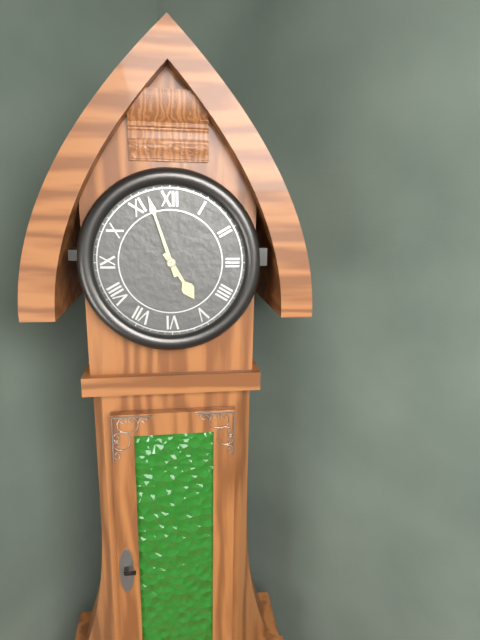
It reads 4,57
